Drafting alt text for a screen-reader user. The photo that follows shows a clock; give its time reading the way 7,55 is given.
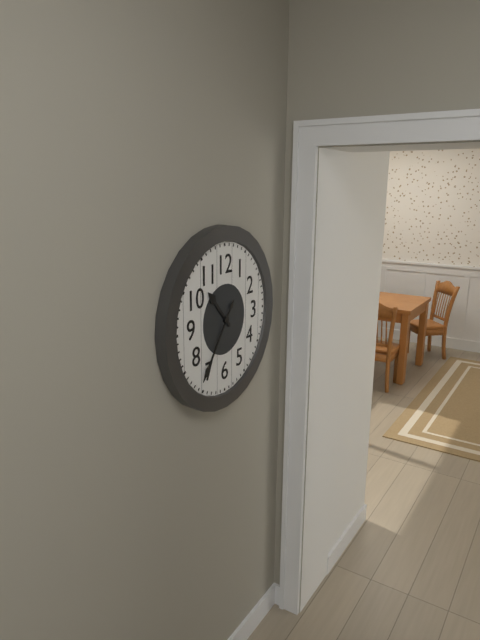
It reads 10,36
